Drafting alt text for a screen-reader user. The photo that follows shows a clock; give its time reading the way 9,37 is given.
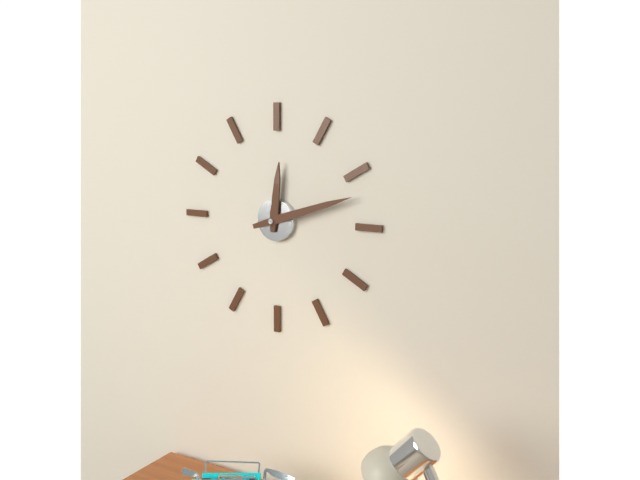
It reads 12,12
